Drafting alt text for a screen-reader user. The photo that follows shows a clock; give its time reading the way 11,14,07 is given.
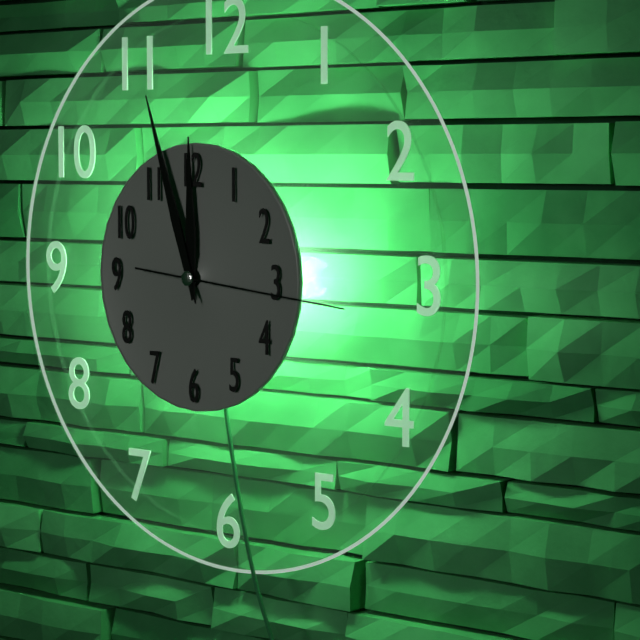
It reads 11,57,16
